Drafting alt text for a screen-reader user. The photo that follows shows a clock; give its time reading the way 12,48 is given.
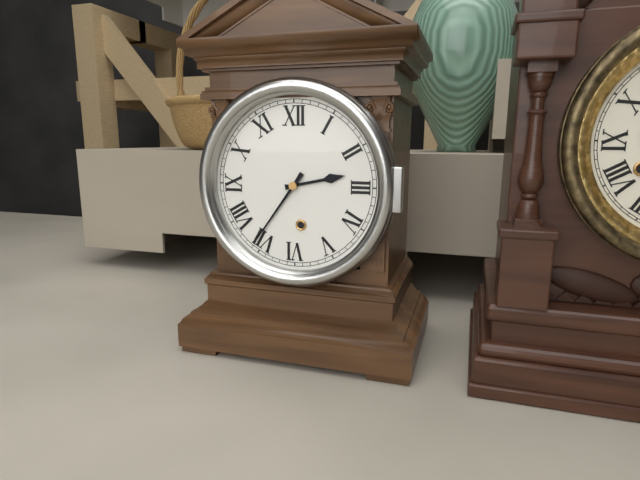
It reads 2,36
